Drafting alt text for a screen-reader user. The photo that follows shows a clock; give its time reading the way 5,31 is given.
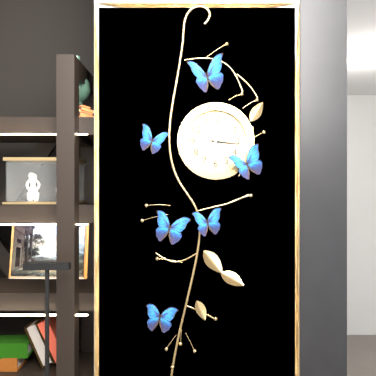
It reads 3,16
